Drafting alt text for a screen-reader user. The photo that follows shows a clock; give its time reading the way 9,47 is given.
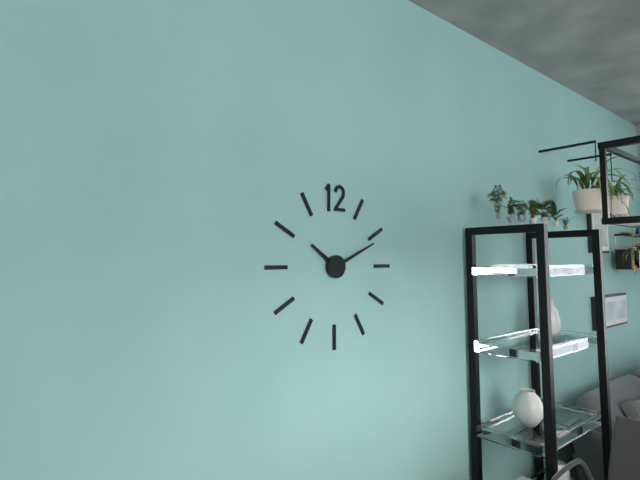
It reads 10,11
